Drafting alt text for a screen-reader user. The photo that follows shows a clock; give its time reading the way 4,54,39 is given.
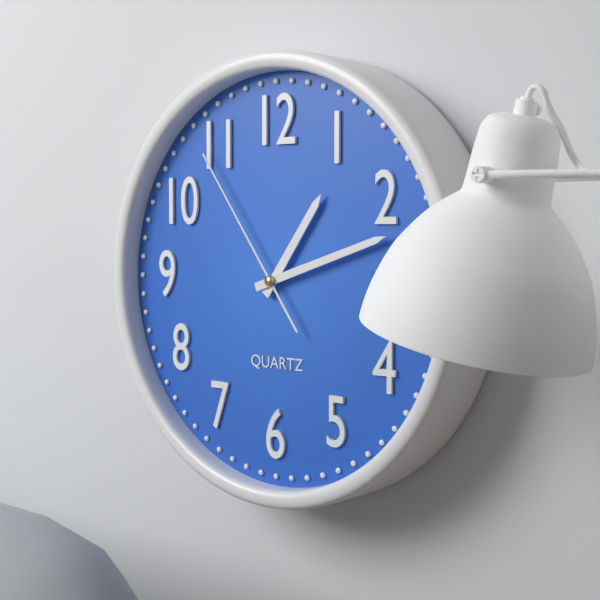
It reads 1,12,54
